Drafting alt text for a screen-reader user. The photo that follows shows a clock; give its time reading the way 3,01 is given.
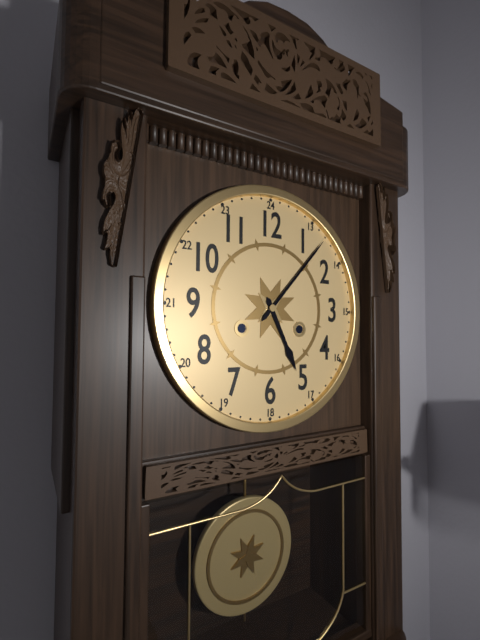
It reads 5,07
